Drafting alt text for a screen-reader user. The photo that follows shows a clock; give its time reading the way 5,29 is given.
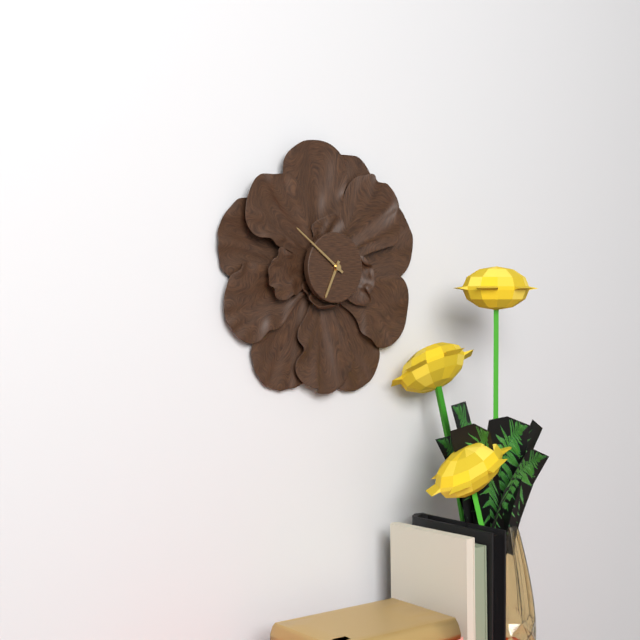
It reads 6,51
